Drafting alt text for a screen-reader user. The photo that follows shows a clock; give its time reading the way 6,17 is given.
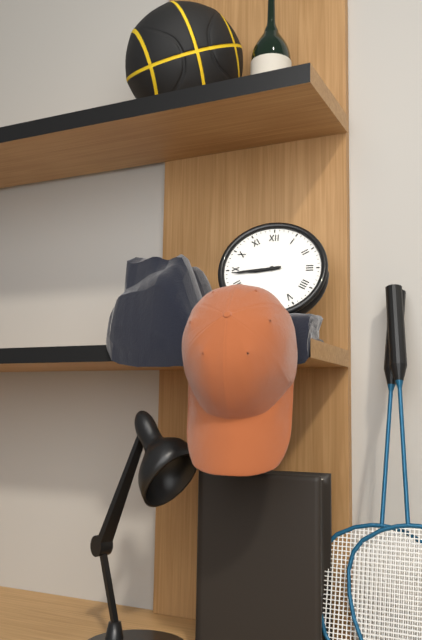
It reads 8,44
